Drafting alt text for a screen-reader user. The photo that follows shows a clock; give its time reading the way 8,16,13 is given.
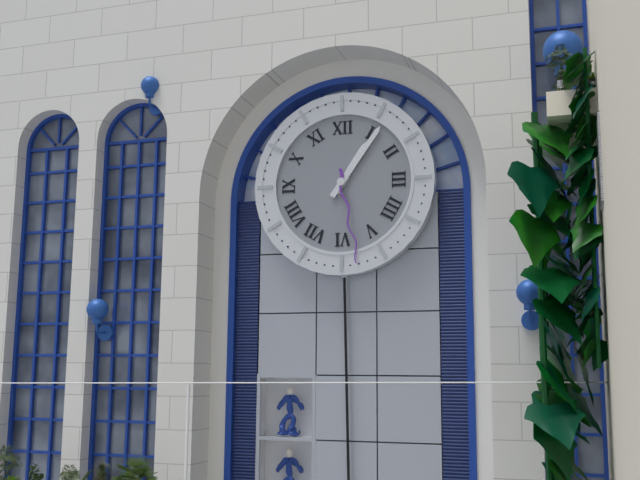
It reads 1,06,28
